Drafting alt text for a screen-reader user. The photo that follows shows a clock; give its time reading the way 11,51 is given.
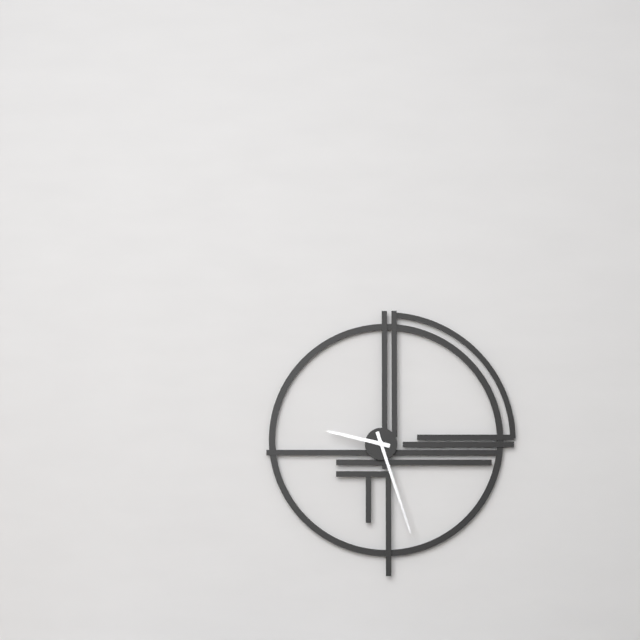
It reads 9,27
